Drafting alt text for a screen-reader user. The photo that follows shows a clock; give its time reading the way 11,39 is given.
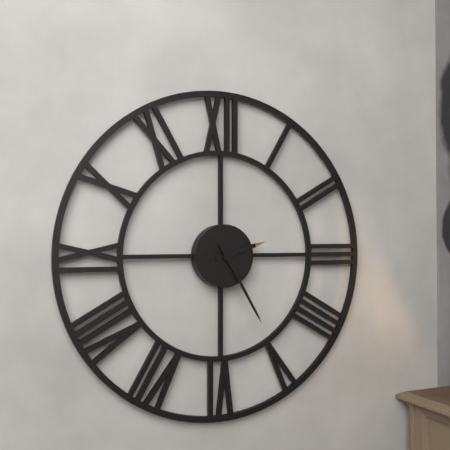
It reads 2,25
